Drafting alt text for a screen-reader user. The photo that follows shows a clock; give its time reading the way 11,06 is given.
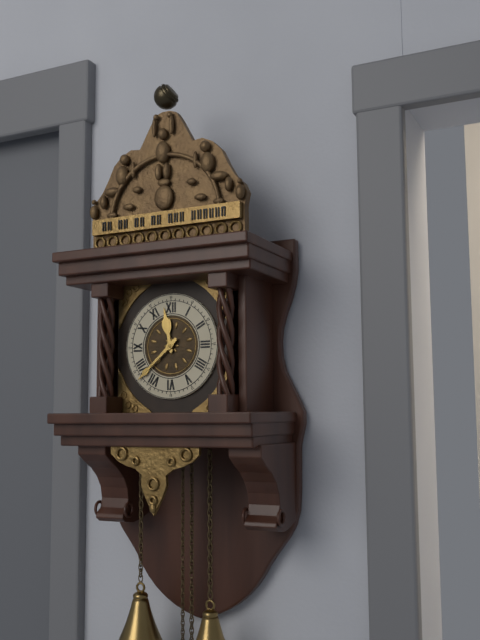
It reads 11,38
